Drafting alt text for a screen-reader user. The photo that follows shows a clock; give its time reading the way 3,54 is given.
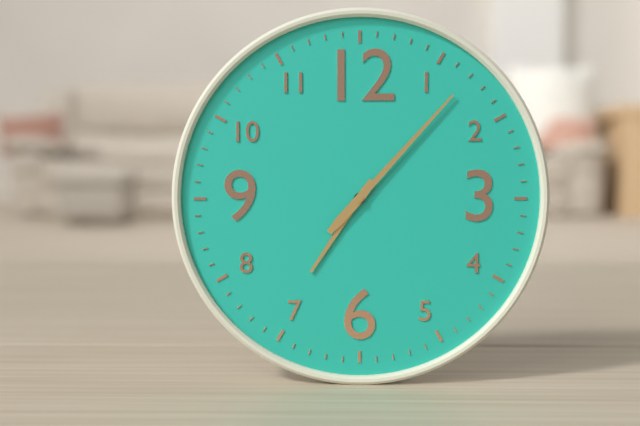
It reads 7,07
